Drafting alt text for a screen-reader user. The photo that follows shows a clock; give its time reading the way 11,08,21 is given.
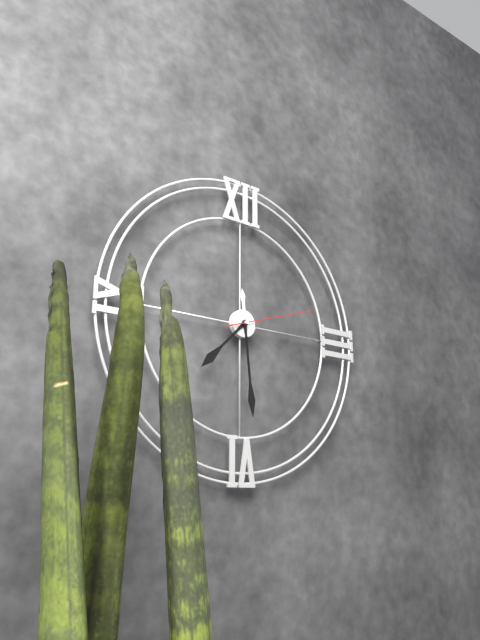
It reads 7,29,12
